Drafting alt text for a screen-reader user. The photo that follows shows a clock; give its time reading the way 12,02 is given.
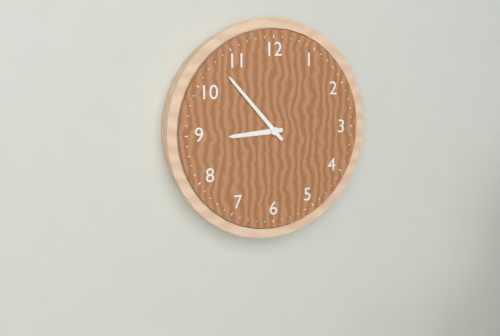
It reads 8,53
